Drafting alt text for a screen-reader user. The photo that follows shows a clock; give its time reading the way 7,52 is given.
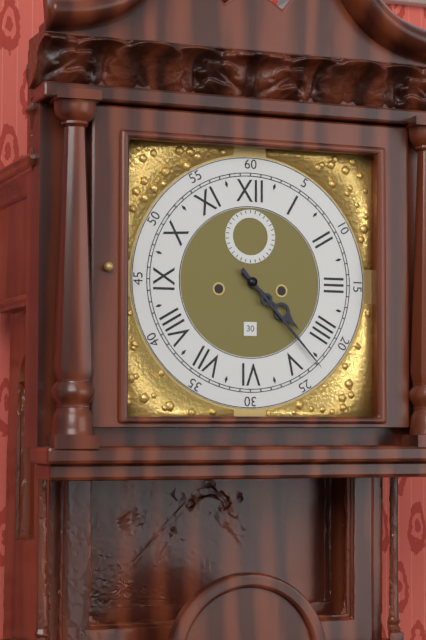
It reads 4,23
